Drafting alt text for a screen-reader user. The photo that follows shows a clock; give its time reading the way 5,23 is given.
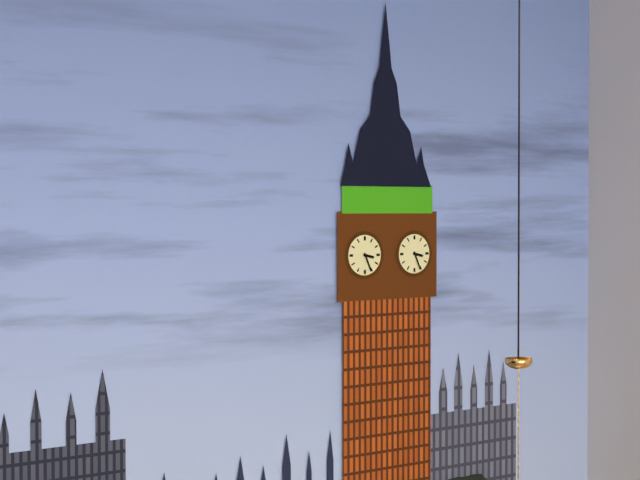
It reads 3,26
